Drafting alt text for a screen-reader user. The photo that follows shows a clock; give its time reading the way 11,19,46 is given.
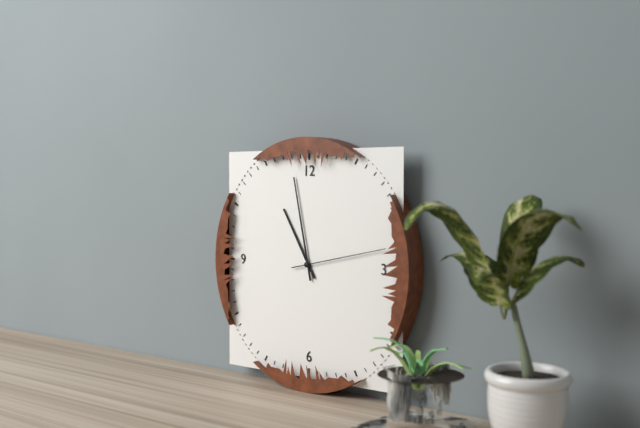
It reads 10,58,13
